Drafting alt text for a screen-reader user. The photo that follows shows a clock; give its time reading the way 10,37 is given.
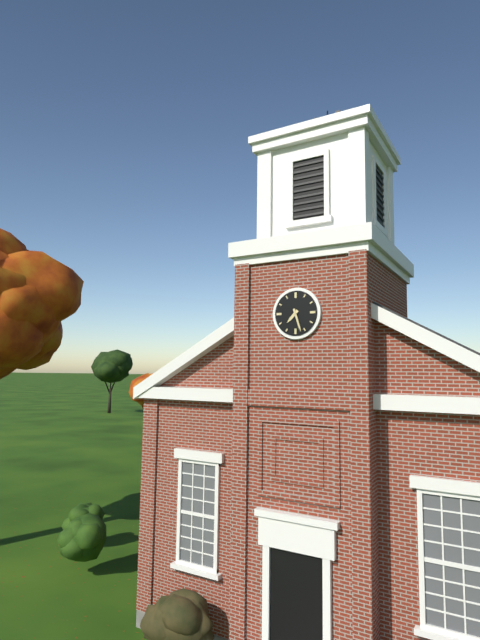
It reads 7,27
